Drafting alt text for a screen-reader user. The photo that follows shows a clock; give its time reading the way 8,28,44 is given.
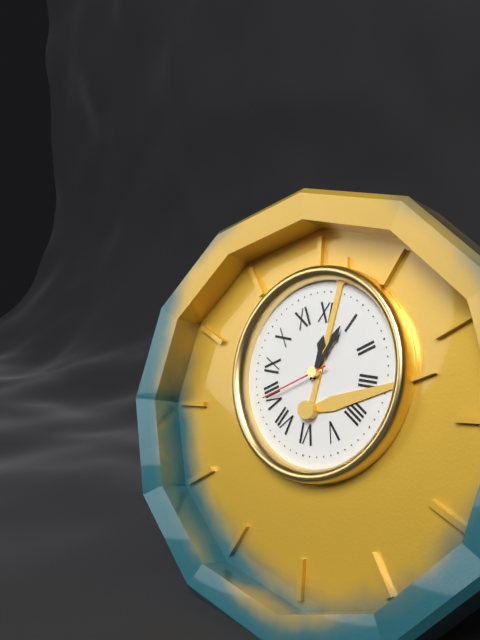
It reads 12,04,40
